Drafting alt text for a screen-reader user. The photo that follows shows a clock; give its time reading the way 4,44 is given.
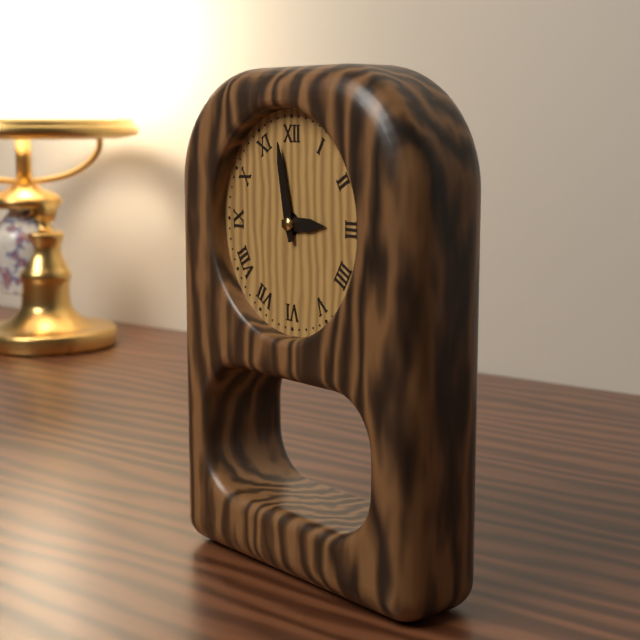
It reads 2,58
